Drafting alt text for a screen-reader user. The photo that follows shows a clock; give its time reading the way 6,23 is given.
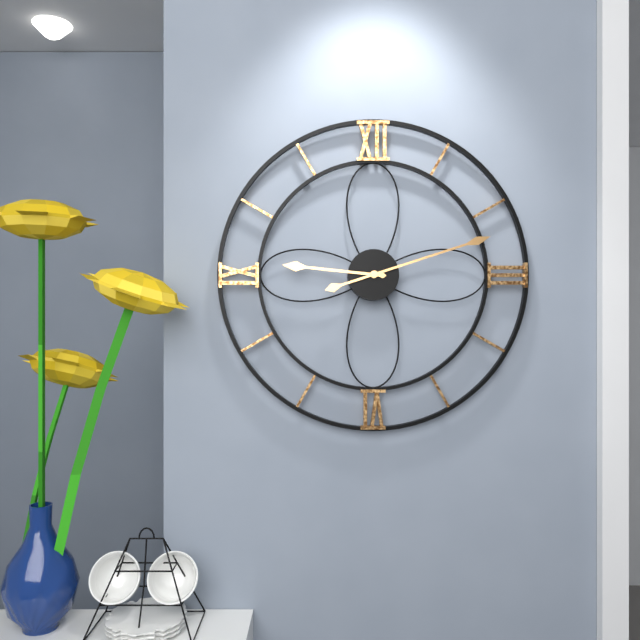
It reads 9,12
